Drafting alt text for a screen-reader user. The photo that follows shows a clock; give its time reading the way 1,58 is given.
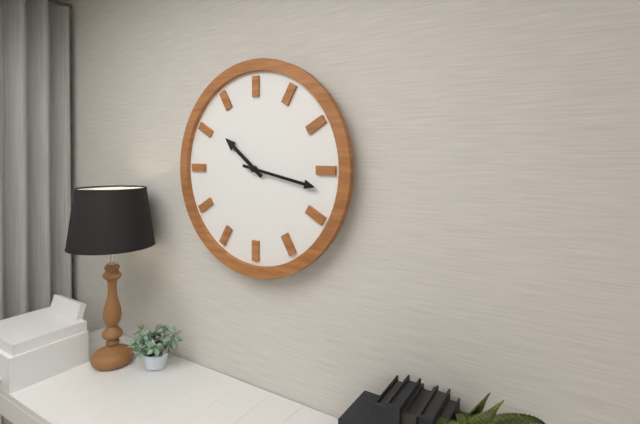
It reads 10,17
